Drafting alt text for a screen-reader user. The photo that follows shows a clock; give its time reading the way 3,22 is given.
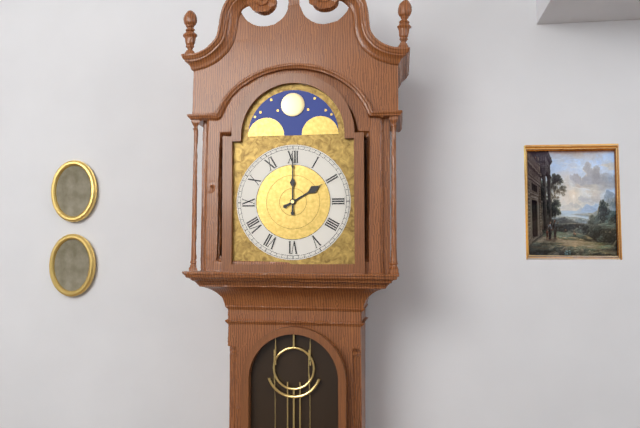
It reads 2,00
